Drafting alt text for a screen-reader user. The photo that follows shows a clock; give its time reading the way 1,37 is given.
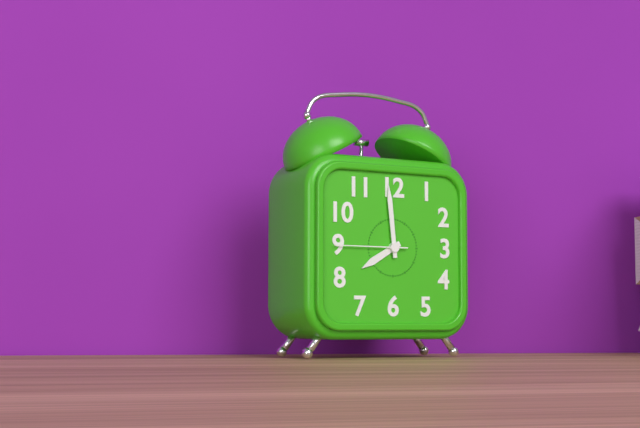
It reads 7,59
